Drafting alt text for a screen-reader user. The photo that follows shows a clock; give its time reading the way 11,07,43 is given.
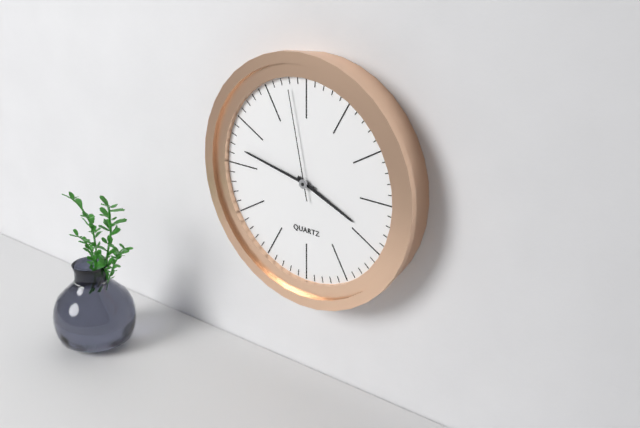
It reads 3,47,58
